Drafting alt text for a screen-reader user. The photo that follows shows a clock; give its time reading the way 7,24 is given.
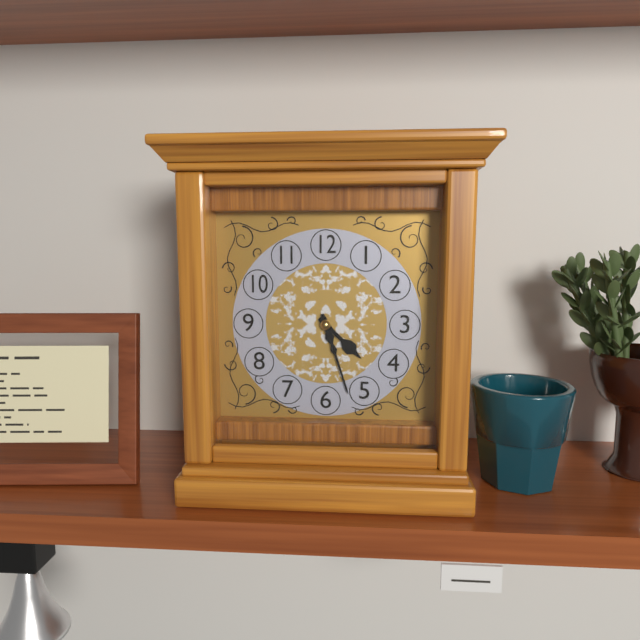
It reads 4,27
